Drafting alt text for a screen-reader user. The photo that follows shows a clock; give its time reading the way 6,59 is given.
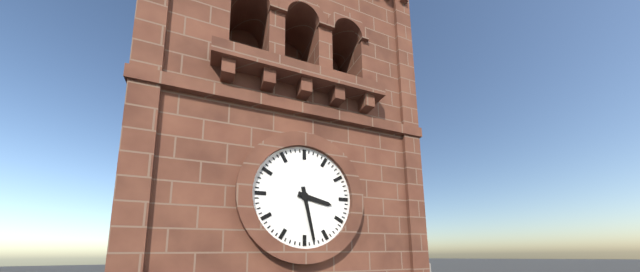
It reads 3,28
